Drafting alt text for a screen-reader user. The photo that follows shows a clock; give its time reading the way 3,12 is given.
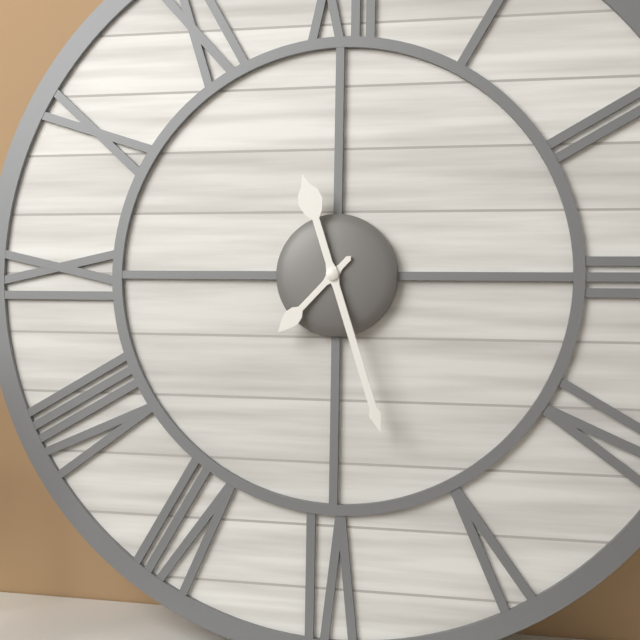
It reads 7,27
